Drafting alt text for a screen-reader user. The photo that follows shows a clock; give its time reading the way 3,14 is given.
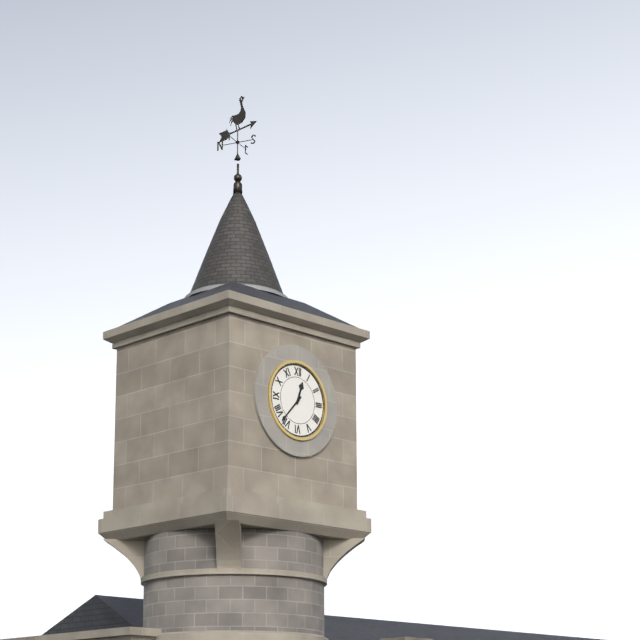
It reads 12,37
